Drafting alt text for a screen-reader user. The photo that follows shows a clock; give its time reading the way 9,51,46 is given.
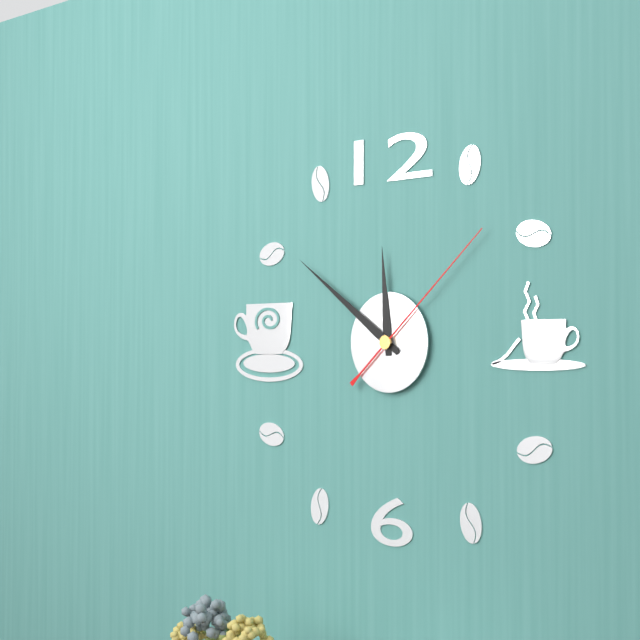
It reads 11,51,08
